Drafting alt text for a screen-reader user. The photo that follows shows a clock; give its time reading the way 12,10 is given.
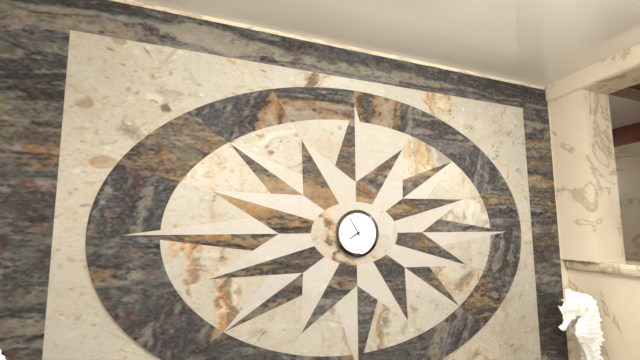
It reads 7,55
